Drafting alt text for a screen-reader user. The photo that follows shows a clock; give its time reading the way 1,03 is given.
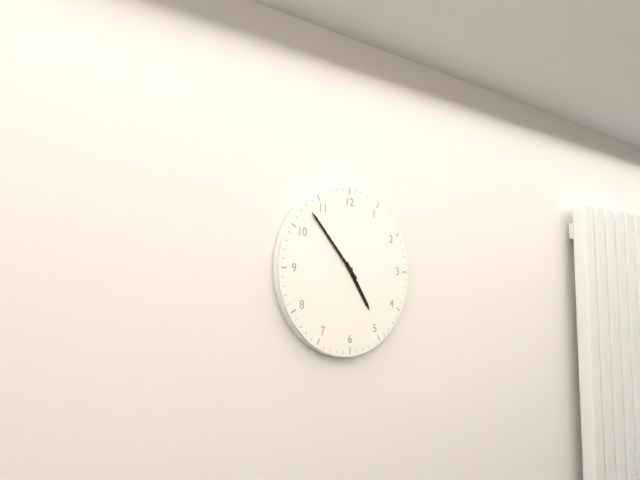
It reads 4,53
